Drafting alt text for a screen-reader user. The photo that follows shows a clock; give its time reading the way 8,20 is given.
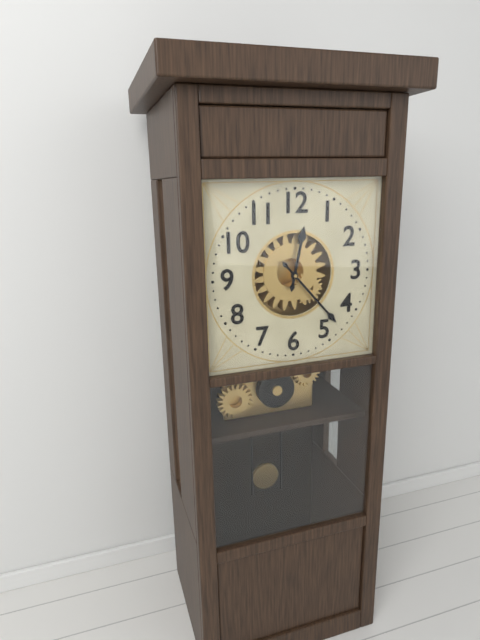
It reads 12,23
